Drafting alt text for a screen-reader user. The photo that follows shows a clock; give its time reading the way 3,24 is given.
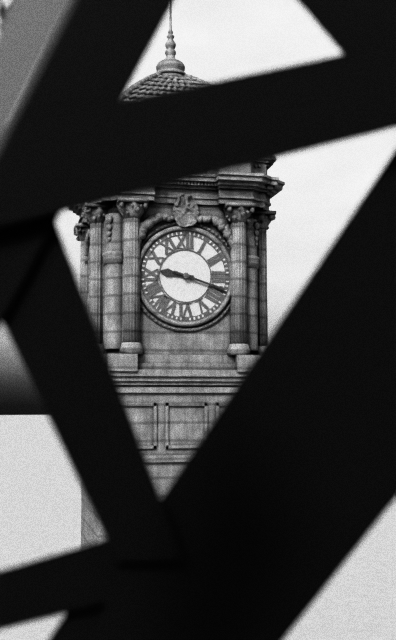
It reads 9,18
